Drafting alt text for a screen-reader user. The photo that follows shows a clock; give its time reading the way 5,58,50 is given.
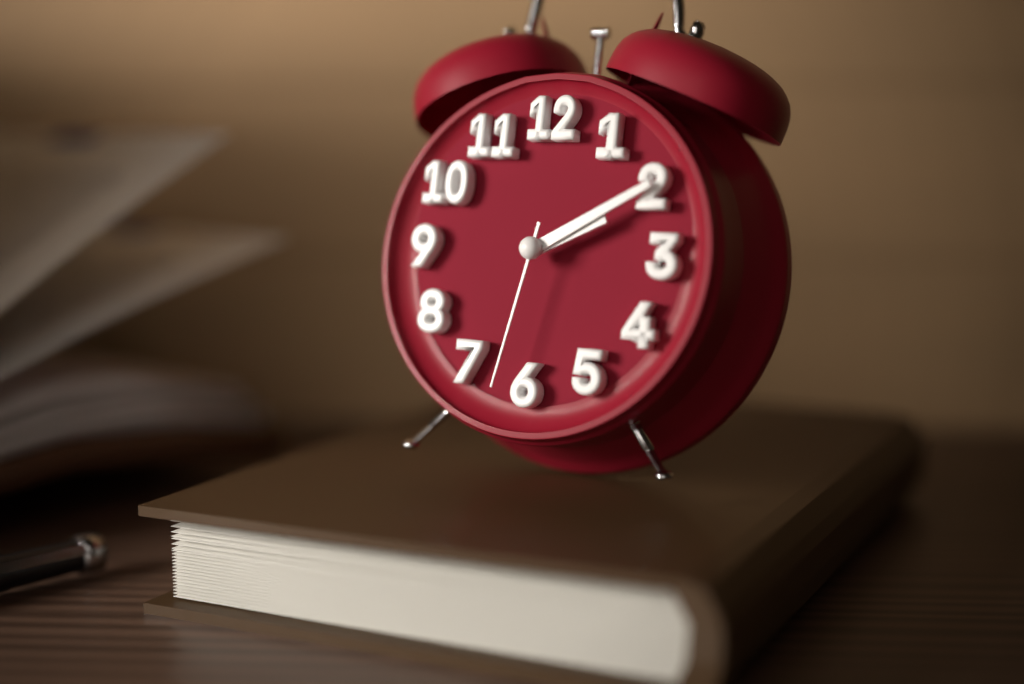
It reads 2,10,32
